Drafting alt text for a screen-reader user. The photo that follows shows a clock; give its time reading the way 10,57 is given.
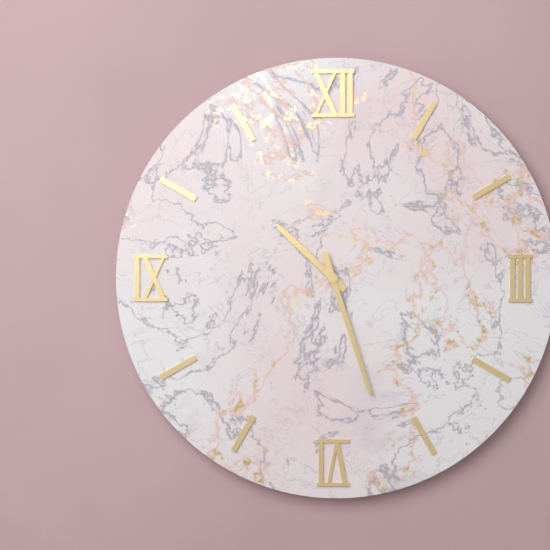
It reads 10,27
